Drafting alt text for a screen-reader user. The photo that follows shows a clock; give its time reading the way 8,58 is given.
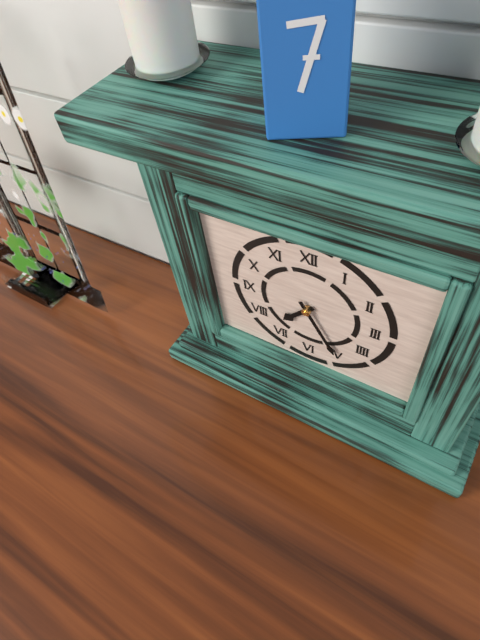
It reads 7,25
